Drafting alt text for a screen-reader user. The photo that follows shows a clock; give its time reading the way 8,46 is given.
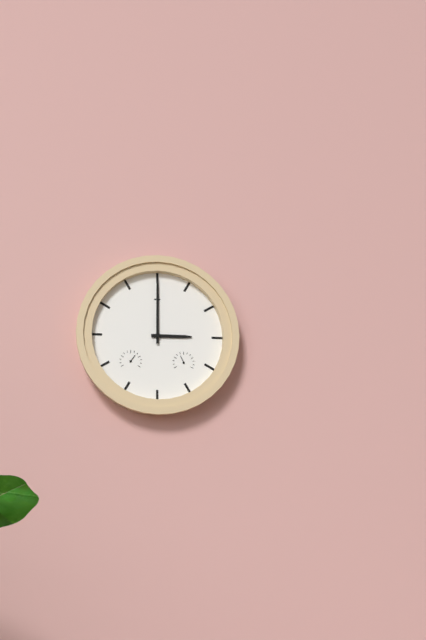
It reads 3,00
